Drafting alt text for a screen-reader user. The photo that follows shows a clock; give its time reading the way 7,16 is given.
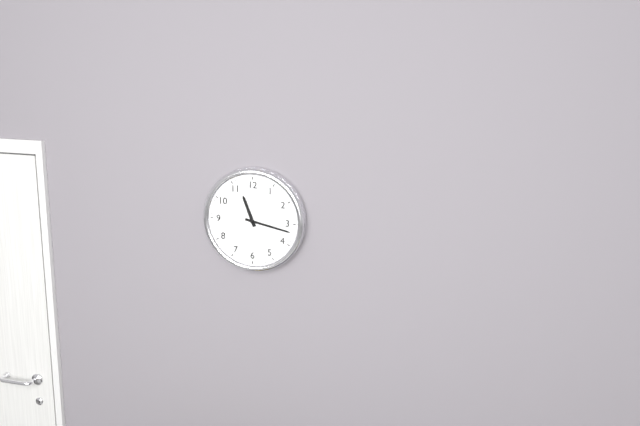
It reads 11,17
